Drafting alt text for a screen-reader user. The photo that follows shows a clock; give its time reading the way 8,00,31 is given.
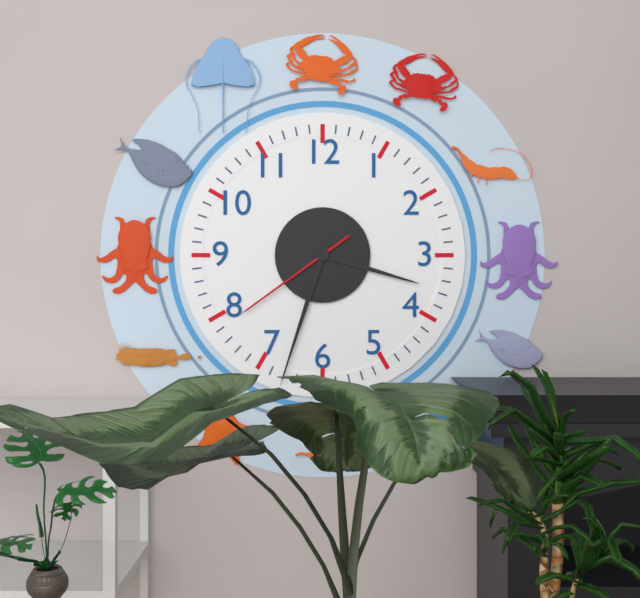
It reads 3,33,39
